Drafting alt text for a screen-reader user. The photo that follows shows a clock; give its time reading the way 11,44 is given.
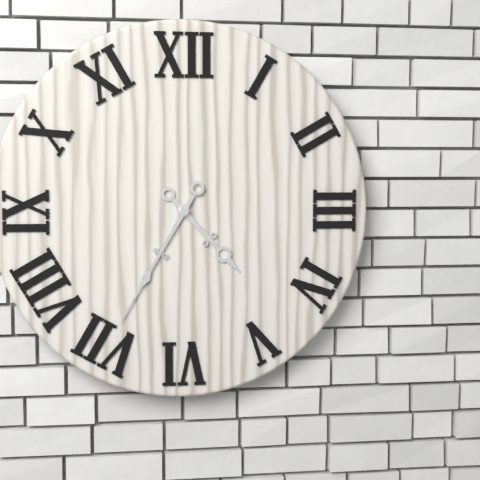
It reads 4,35
